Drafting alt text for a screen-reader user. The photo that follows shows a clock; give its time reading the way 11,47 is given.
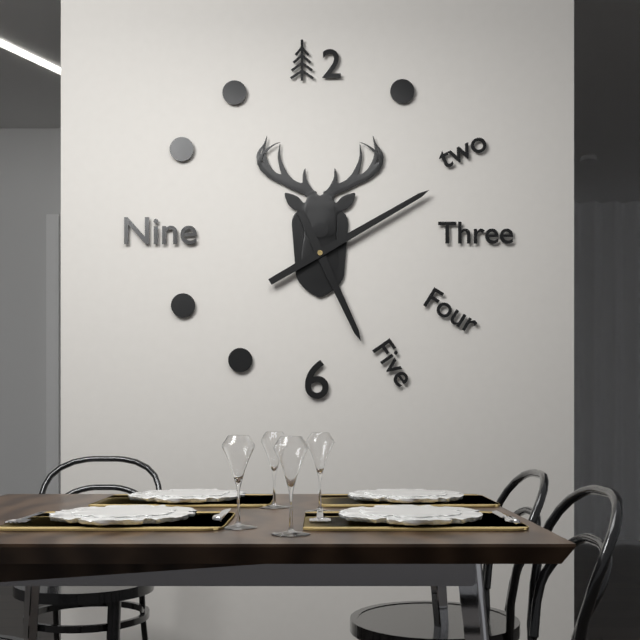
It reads 5,10
